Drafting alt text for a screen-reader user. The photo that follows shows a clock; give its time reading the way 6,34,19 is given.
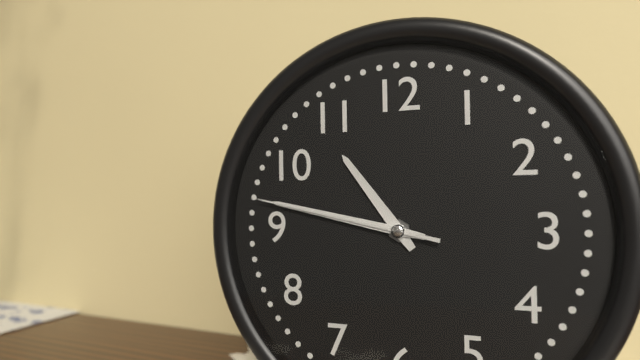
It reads 10,47,47
